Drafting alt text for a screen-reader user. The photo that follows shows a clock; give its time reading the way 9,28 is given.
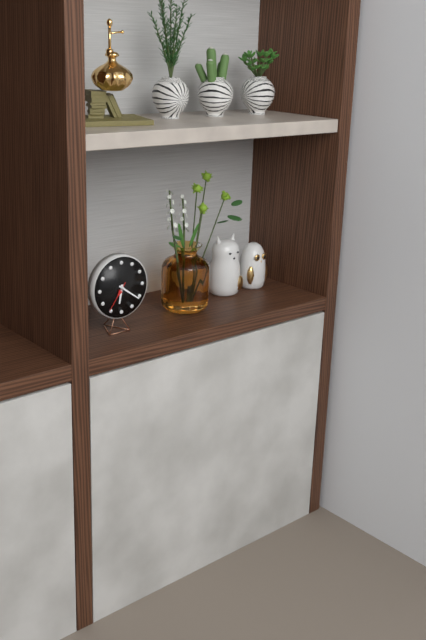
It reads 6,21
